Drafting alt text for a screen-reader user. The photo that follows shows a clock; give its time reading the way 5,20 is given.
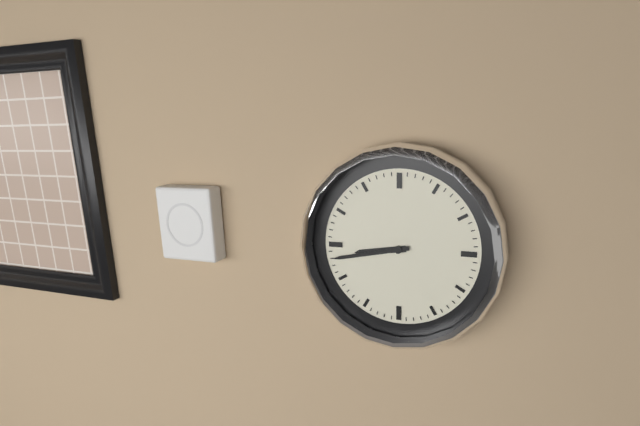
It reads 8,43
